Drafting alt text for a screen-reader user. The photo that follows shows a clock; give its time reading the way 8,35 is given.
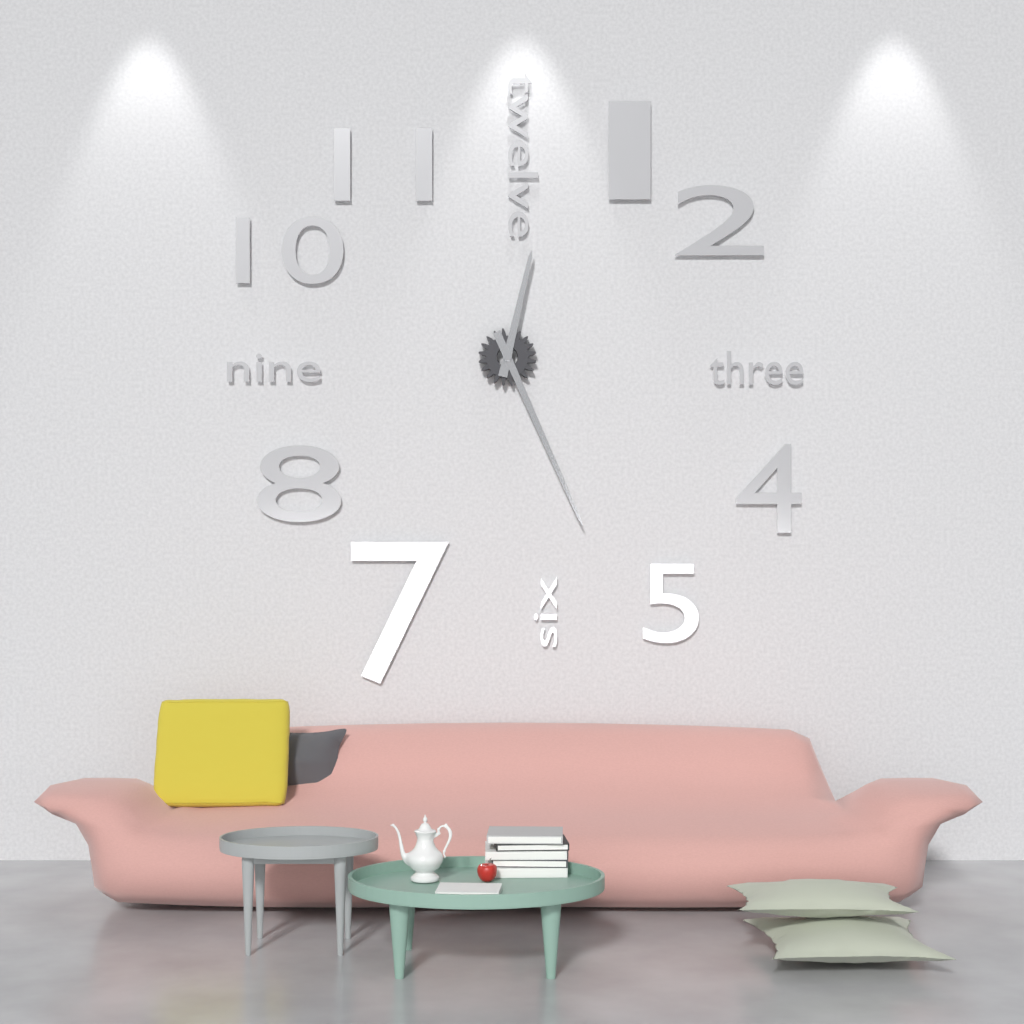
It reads 12,26
